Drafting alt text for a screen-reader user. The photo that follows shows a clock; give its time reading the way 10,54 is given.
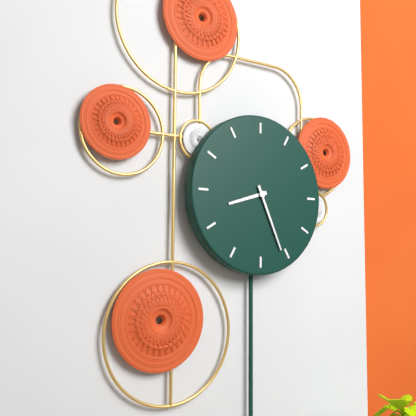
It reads 8,26
